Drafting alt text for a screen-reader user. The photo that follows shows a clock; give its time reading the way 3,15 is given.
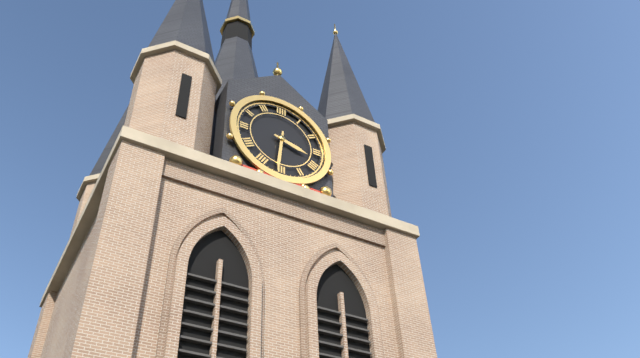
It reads 3,31
